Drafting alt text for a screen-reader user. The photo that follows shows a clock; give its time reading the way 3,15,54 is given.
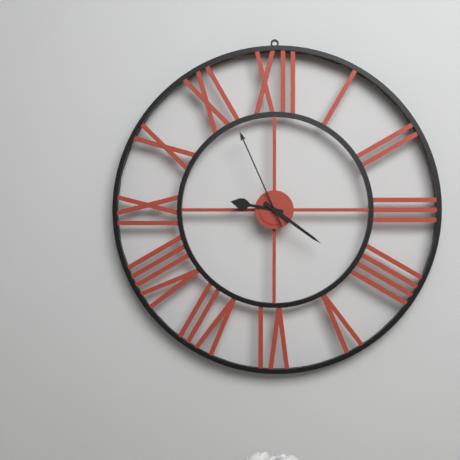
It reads 9,21,56
